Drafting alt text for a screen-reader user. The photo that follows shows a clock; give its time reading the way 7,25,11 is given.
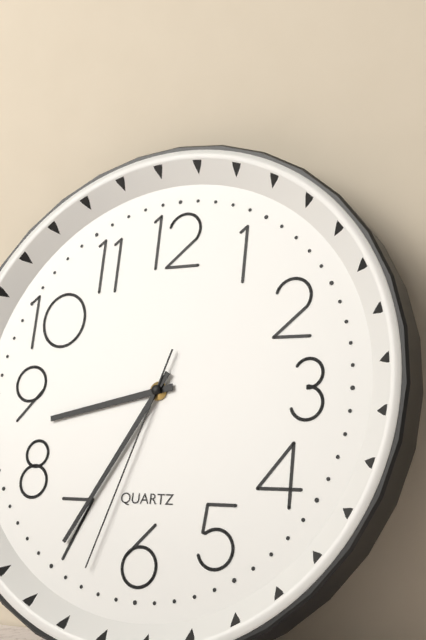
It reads 8,35,33
